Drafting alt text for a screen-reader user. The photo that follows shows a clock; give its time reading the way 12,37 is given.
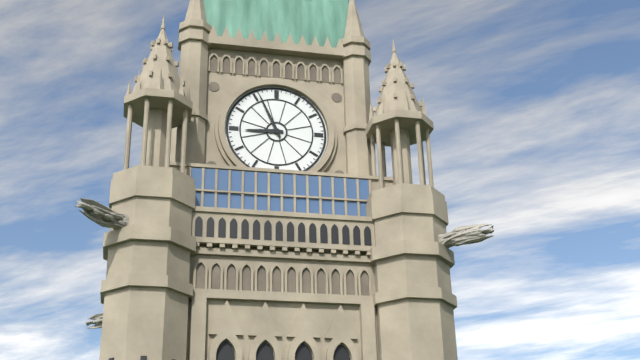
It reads 8,56
